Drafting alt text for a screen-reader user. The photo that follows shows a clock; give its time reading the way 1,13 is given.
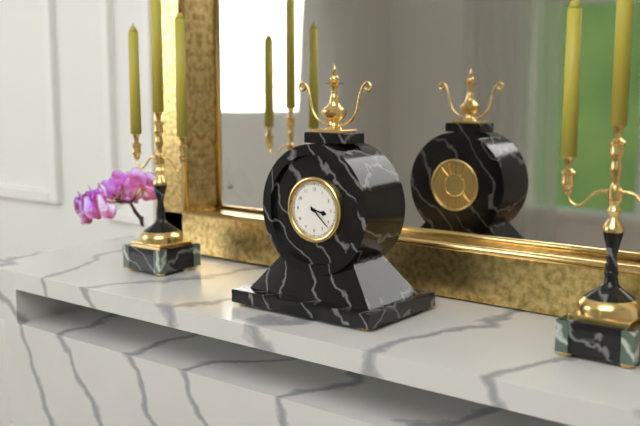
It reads 3,22
